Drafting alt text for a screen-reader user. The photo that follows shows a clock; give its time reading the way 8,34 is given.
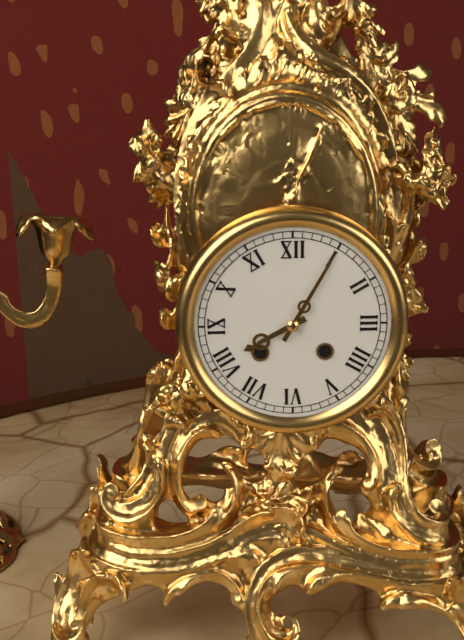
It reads 8,05
